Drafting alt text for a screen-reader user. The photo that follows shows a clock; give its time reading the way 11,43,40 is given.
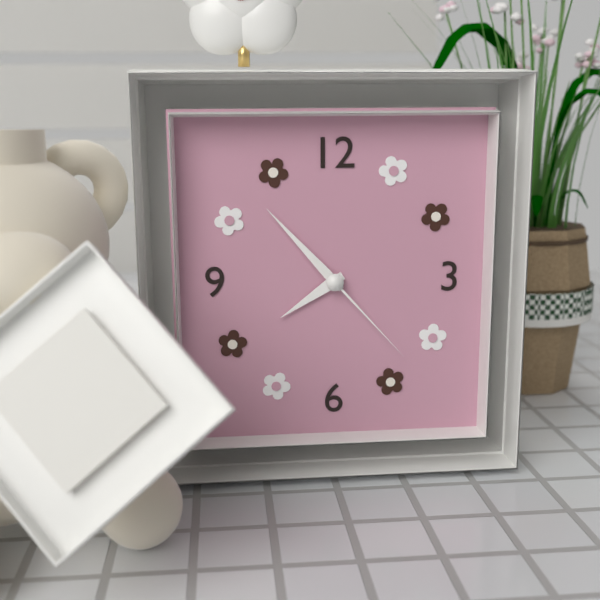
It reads 7,53,23
